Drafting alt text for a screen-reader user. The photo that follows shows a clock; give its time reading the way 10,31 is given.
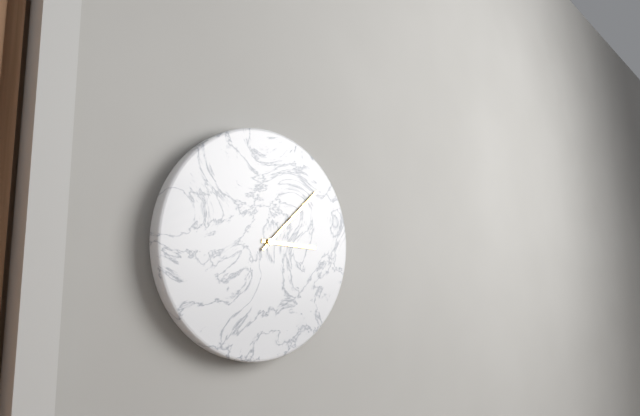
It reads 3,08
